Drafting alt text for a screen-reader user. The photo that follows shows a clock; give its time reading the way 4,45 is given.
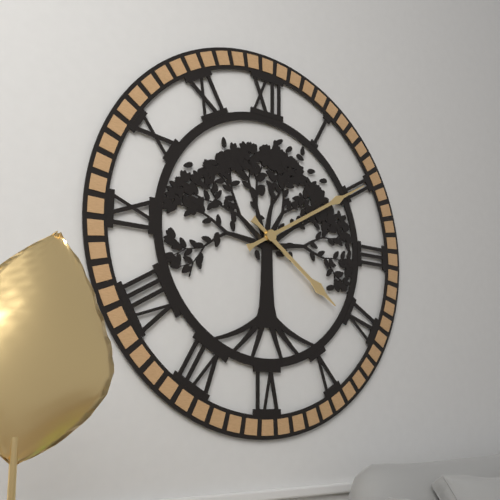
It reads 4,10
